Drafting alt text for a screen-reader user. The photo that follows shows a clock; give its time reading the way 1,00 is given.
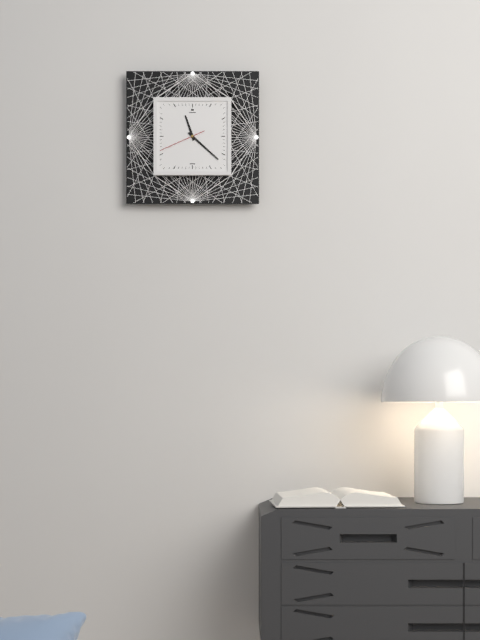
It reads 11,22
